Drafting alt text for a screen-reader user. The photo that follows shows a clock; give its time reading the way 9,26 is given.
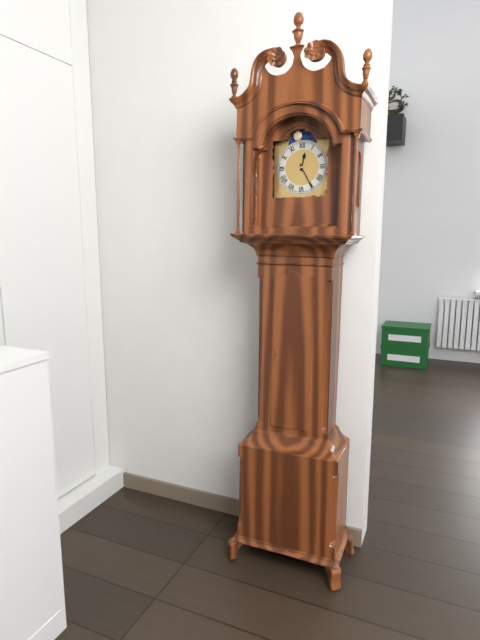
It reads 12,25
